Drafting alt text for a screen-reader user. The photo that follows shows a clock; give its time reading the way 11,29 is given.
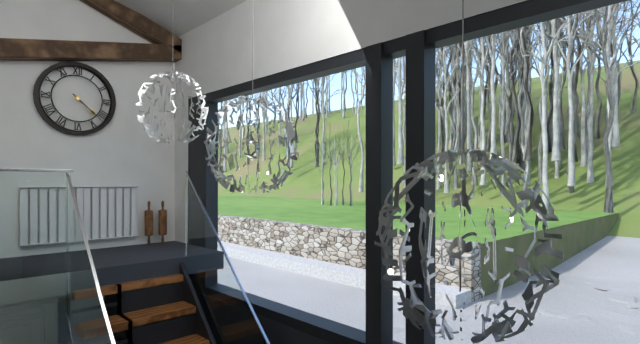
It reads 4,22
